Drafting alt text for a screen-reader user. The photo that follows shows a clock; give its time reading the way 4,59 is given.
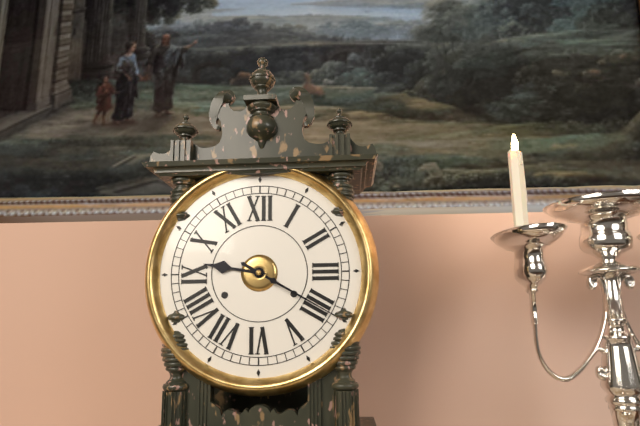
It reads 9,20
